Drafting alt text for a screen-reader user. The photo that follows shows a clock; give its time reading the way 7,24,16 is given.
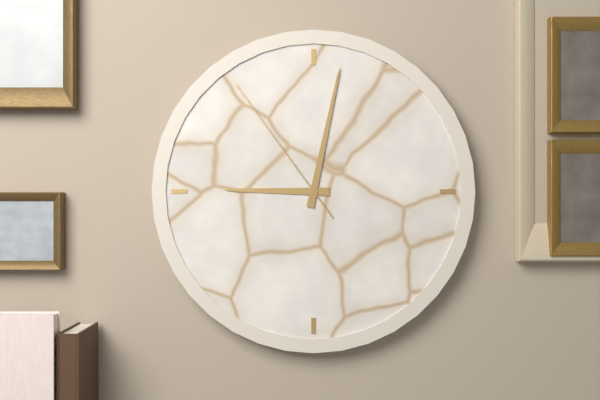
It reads 9,02,54
